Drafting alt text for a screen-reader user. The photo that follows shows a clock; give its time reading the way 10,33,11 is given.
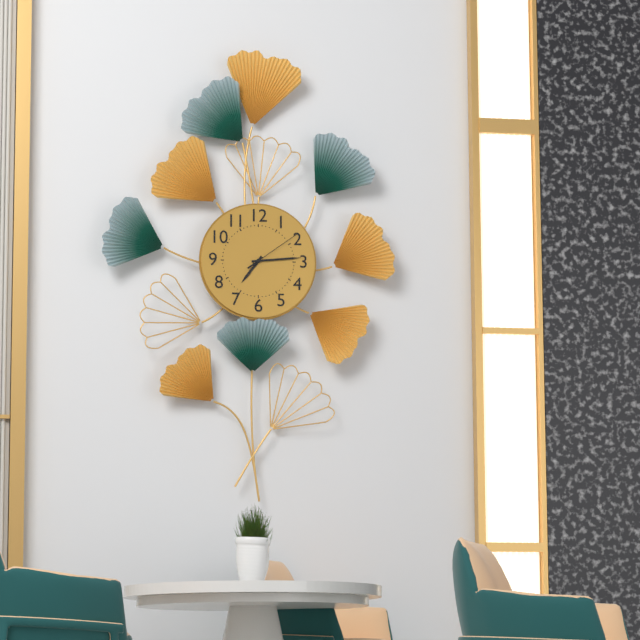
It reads 7,14,09
